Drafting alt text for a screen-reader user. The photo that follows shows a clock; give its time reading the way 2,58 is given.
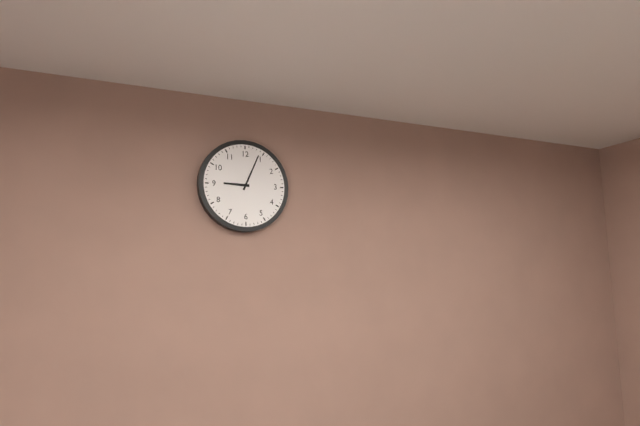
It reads 9,04
